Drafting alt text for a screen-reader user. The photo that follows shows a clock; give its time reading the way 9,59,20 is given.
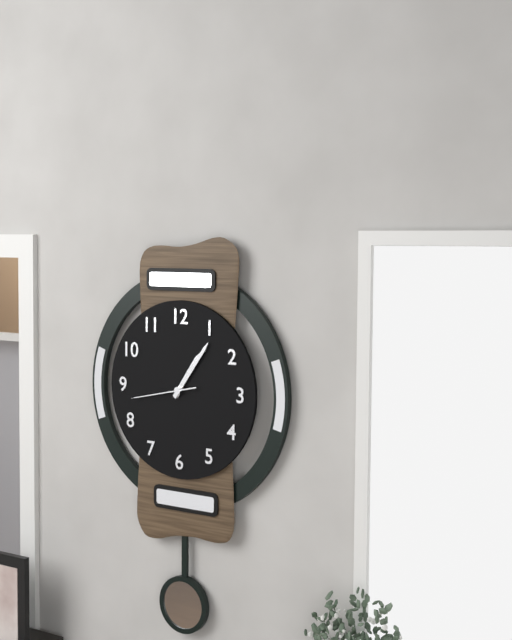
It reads 1,06,43
